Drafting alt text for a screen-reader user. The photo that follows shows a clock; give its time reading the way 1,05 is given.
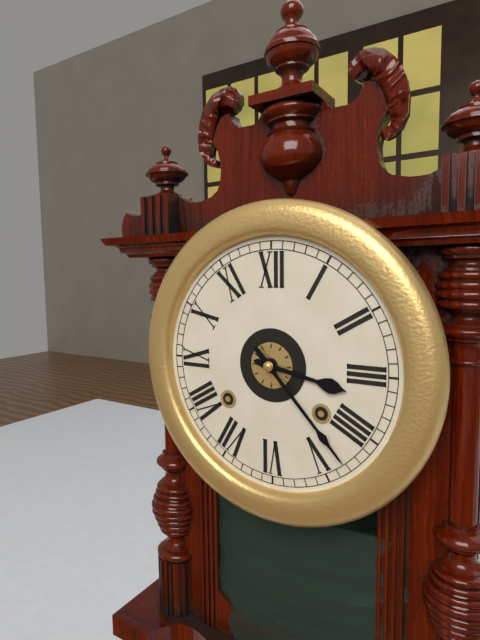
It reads 3,23
